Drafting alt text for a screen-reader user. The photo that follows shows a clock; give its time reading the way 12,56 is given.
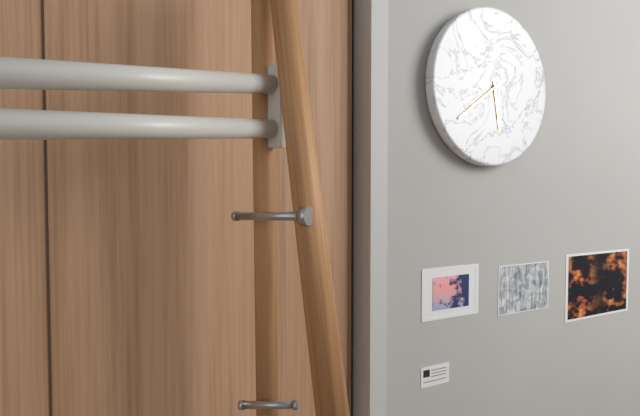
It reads 5,39
